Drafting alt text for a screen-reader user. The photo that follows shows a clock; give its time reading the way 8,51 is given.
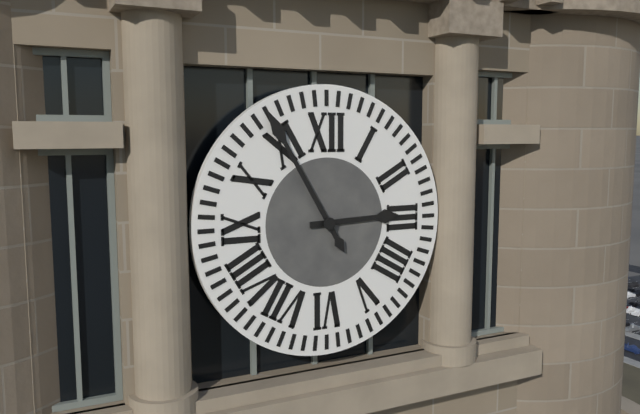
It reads 2,55
